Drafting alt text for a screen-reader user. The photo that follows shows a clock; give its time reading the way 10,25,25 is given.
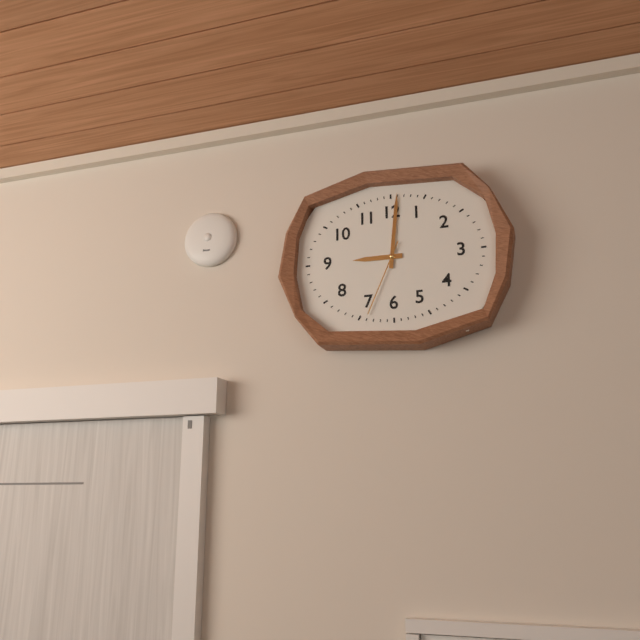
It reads 9,01,34
